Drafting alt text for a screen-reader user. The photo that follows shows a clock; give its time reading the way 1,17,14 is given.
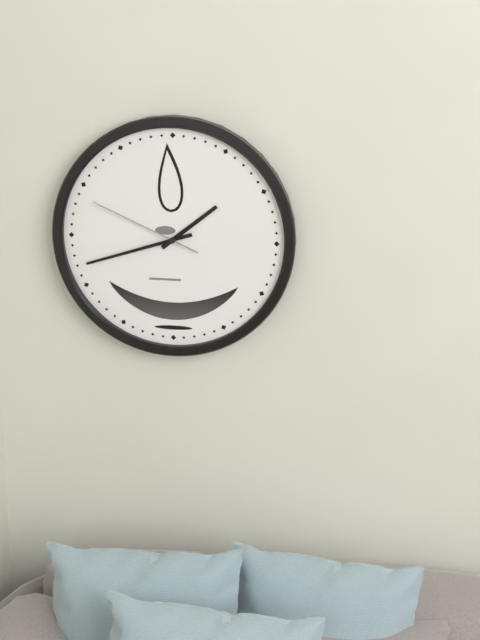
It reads 1,42,49
